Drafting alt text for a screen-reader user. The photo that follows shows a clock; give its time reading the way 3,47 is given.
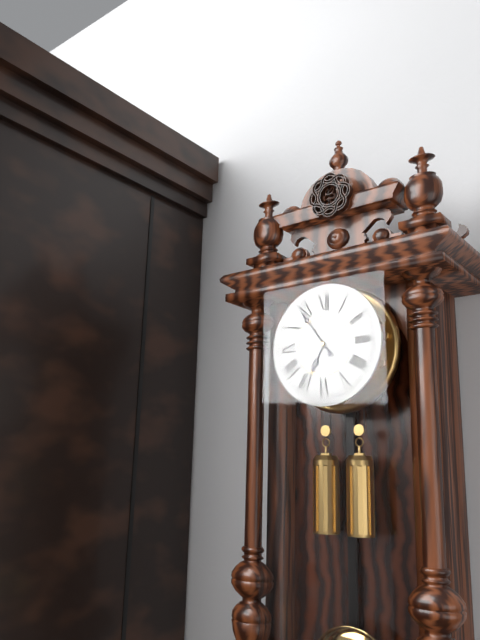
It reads 6,54
